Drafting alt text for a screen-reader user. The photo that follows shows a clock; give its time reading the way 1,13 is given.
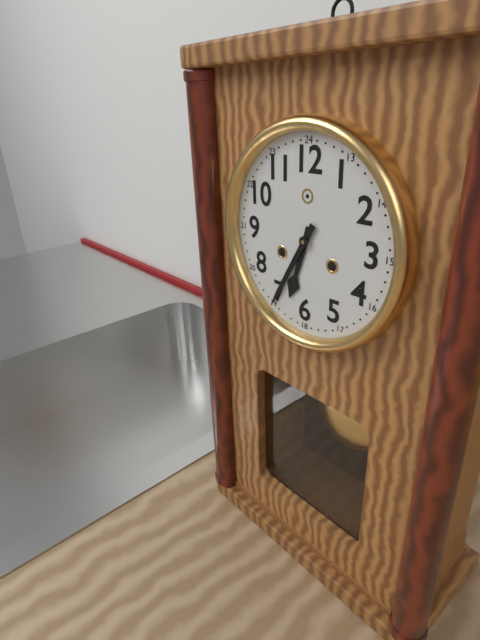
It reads 6,35
